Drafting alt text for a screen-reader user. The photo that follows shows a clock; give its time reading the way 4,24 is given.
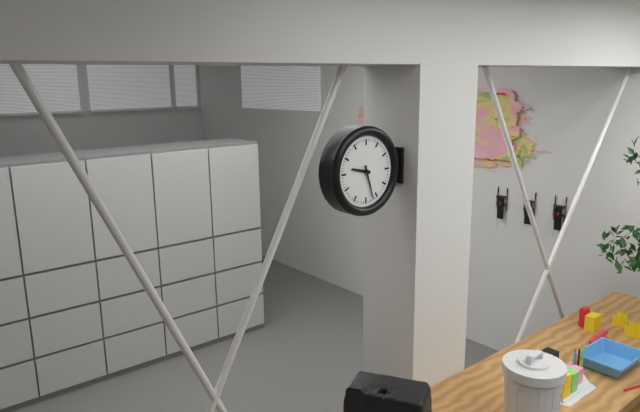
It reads 9,27
